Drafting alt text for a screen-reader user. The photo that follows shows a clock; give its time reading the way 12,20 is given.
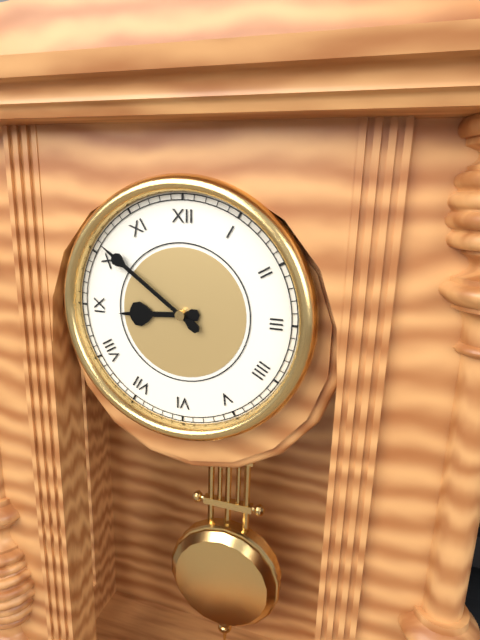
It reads 8,51
